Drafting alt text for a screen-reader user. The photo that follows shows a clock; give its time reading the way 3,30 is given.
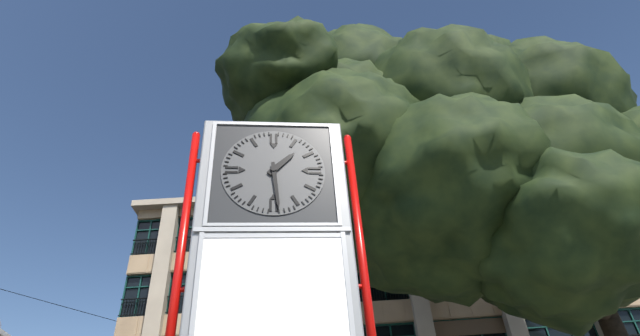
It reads 1,29
